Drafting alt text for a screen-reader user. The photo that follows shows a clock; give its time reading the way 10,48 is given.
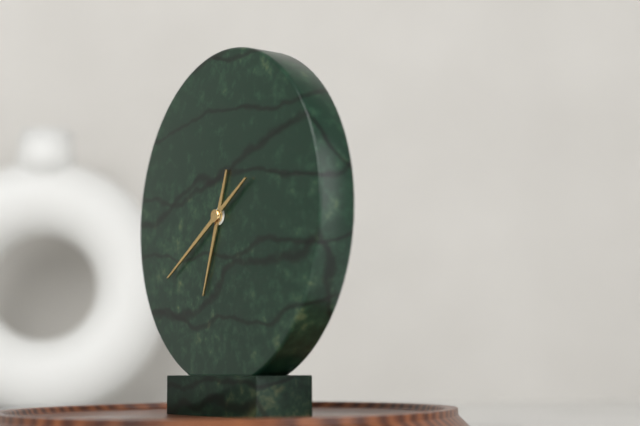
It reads 6,40
